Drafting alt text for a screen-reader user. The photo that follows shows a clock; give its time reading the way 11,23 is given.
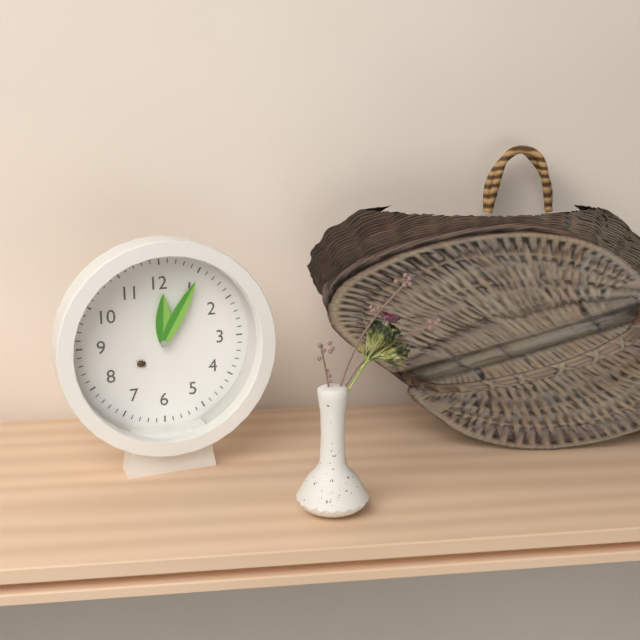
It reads 12,05
